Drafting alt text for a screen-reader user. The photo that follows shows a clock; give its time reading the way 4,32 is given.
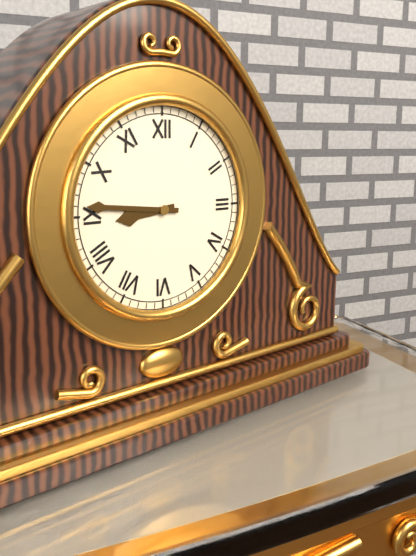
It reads 8,46
